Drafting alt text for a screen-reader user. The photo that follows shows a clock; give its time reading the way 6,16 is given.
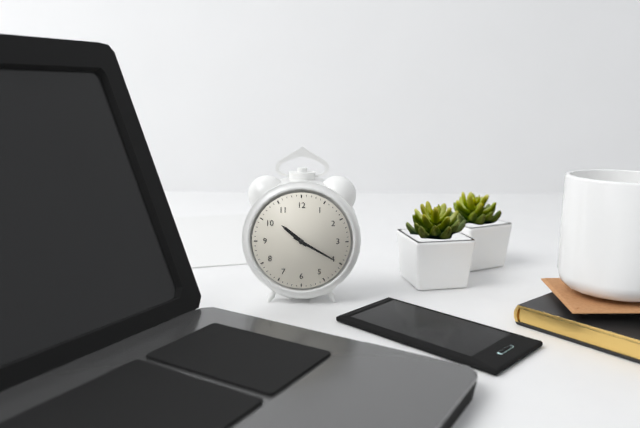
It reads 10,20
